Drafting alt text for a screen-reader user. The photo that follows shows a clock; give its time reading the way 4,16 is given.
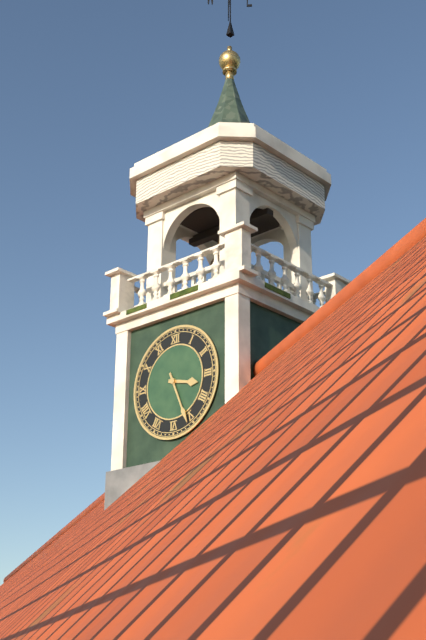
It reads 3,26
